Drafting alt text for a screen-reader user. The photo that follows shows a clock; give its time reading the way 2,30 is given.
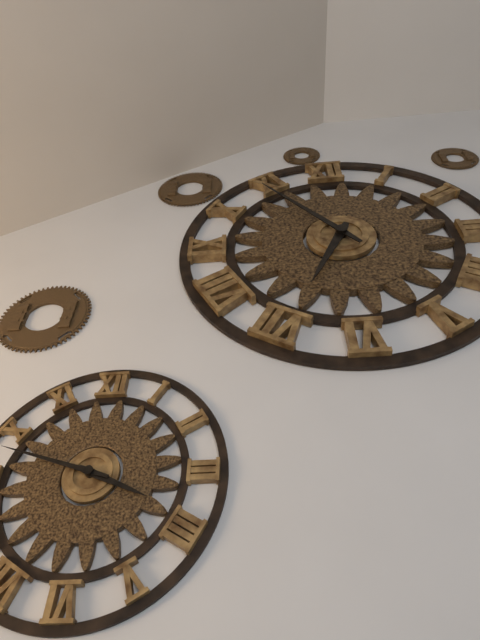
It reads 6,54
